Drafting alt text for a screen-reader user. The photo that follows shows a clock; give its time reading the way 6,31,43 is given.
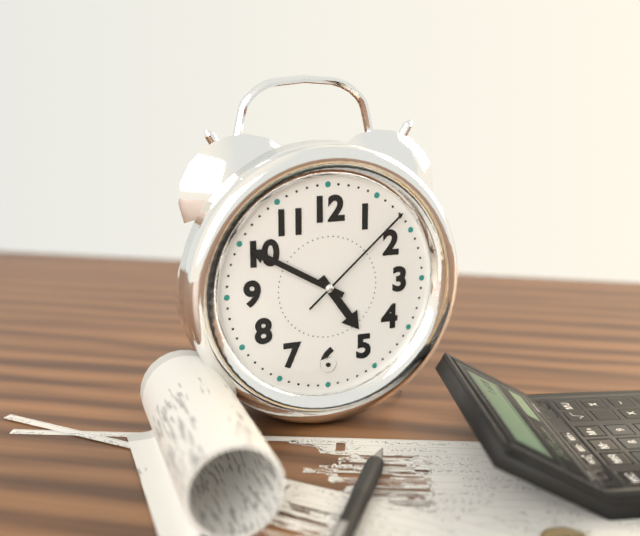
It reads 4,50,08
